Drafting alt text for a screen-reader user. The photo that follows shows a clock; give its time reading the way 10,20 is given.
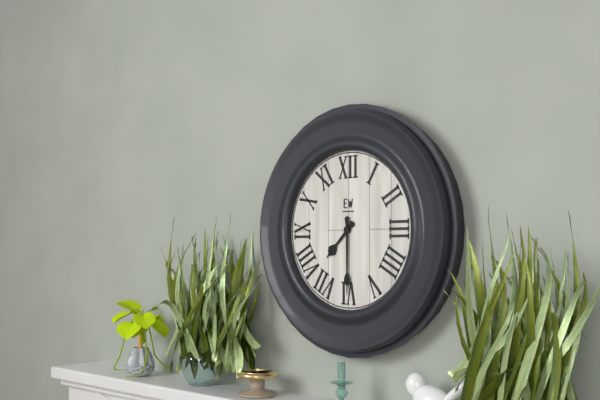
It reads 7,30
